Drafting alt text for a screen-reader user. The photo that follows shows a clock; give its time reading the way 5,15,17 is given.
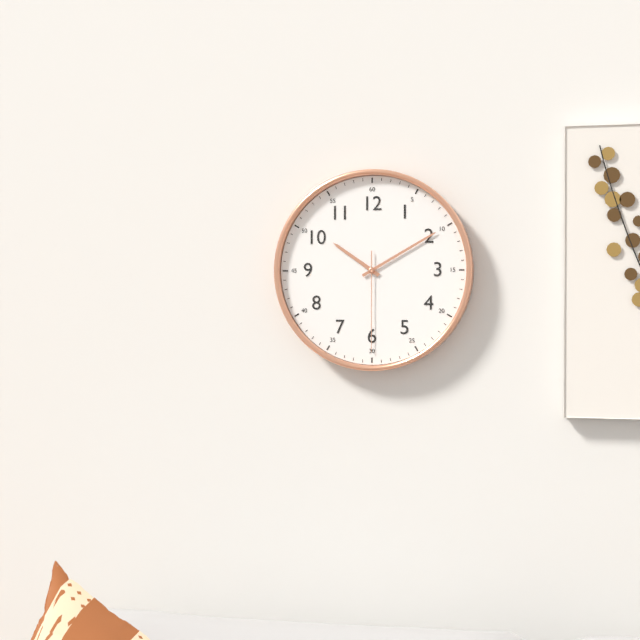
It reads 10,10,30
